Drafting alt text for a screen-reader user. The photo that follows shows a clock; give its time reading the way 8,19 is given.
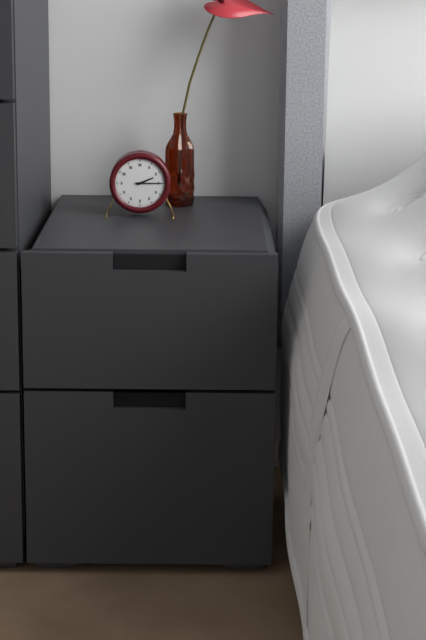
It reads 2,15
